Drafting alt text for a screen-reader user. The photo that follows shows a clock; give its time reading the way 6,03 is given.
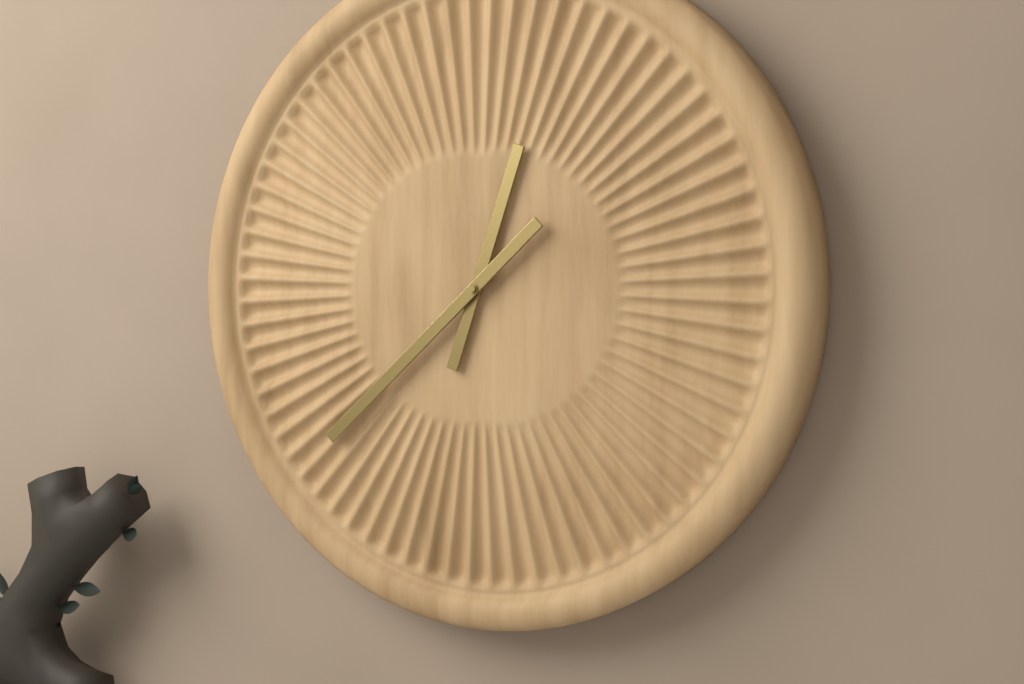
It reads 12,38
